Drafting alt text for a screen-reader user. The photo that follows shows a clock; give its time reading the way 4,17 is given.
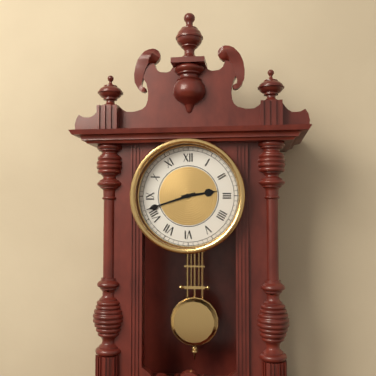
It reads 2,42
